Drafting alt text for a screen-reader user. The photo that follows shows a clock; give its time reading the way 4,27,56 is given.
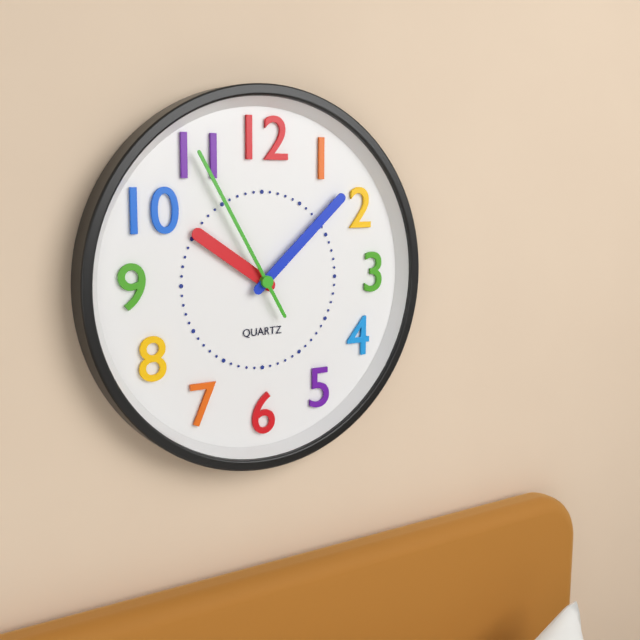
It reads 10,08,55
